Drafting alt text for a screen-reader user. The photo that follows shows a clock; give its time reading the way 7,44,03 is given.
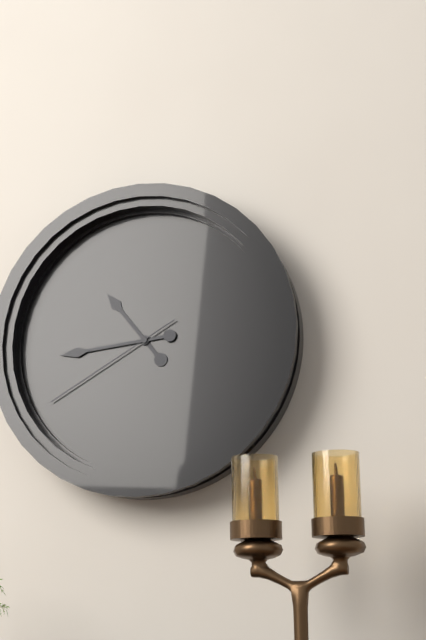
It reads 10,44,40
